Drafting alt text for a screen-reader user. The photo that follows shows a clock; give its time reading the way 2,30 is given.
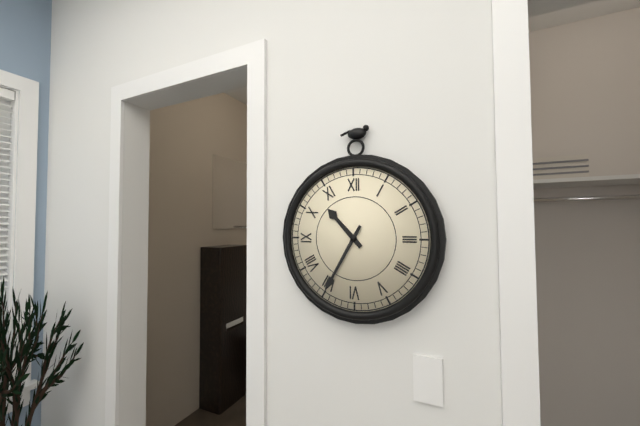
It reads 10,35
